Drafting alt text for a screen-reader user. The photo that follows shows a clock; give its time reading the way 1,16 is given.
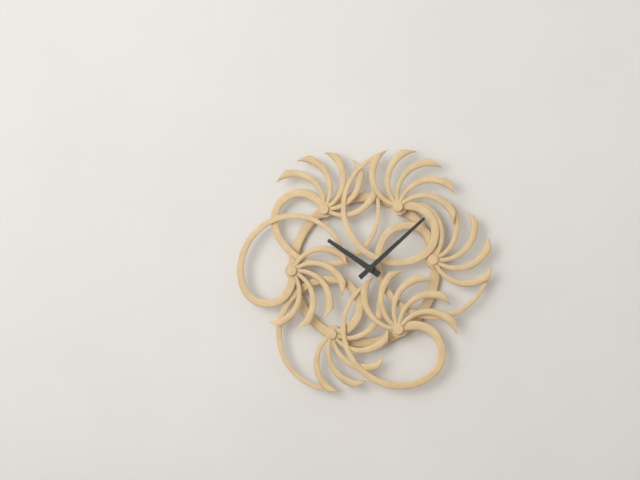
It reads 10,08
